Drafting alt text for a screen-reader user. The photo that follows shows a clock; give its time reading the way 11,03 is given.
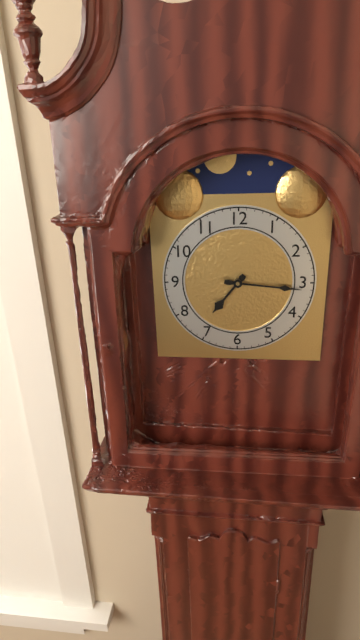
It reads 7,16
